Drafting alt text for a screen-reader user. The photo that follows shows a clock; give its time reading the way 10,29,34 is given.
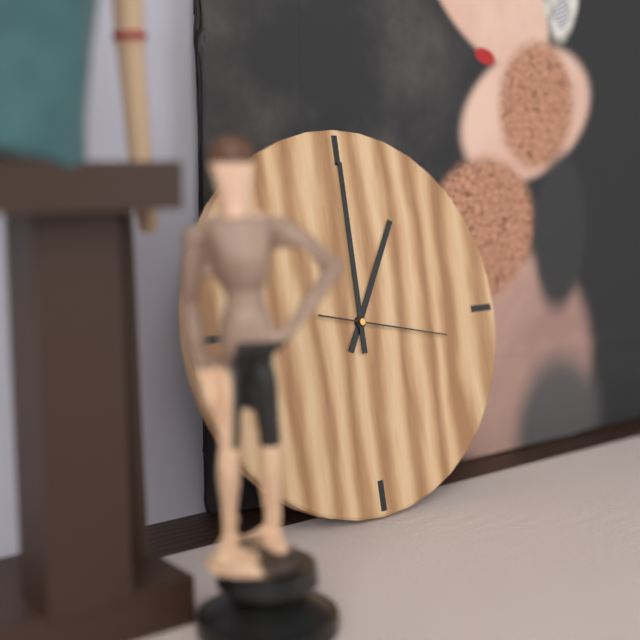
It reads 1,00,17
